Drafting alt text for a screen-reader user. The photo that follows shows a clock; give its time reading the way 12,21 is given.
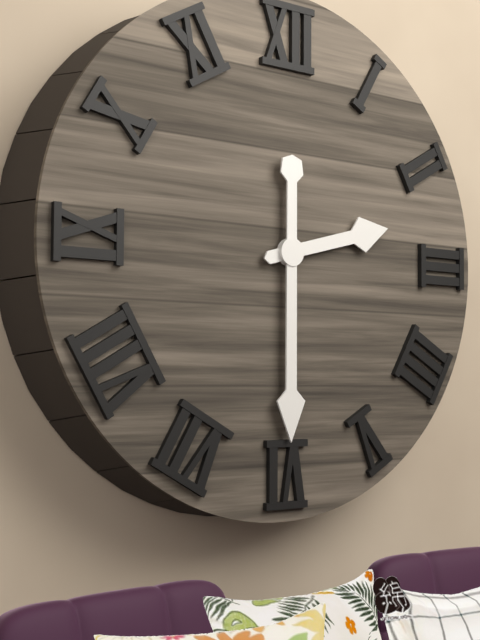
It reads 2,30
